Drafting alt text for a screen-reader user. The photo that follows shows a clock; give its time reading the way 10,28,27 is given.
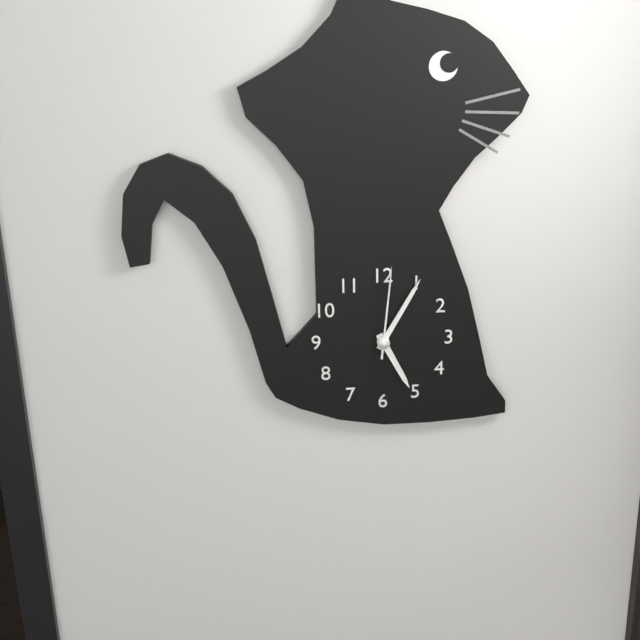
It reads 5,05,01
